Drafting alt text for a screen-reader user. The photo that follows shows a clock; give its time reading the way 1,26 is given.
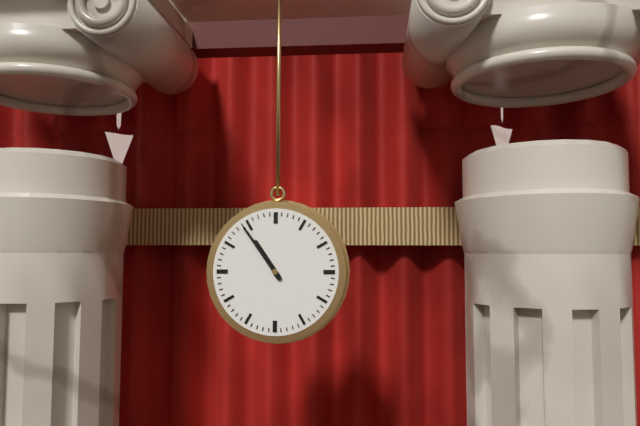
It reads 10,54
